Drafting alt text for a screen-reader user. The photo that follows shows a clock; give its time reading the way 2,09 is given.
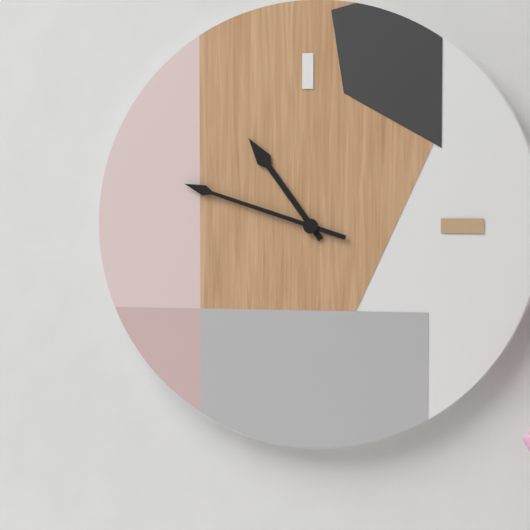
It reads 10,48
